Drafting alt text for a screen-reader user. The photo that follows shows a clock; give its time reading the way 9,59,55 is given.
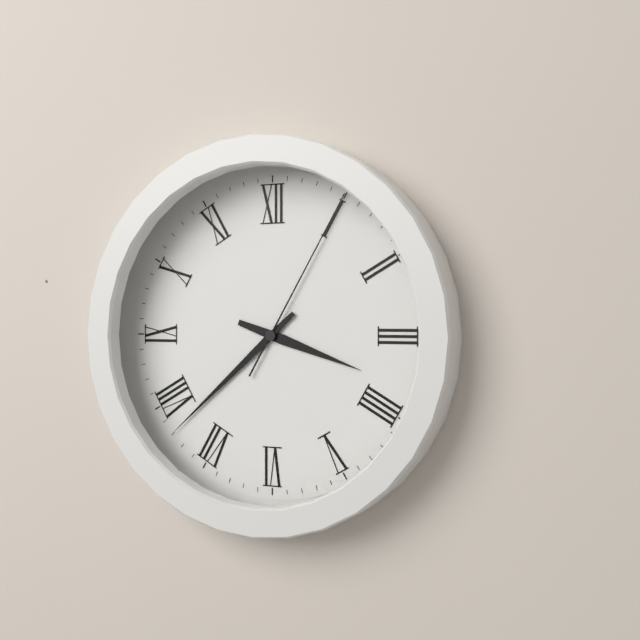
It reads 3,38,05
